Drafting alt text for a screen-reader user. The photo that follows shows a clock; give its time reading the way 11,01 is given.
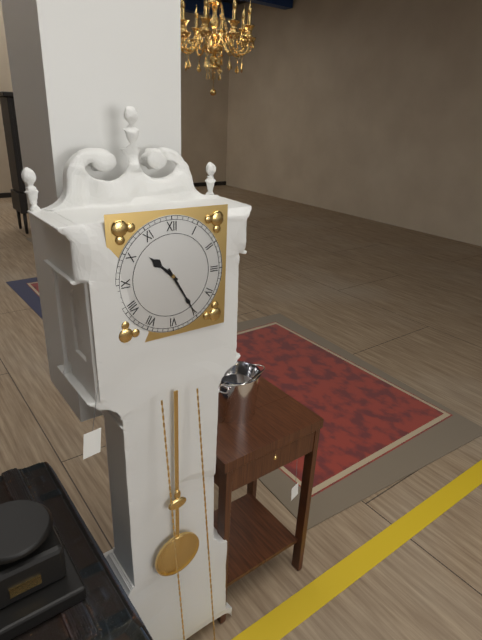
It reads 10,25
